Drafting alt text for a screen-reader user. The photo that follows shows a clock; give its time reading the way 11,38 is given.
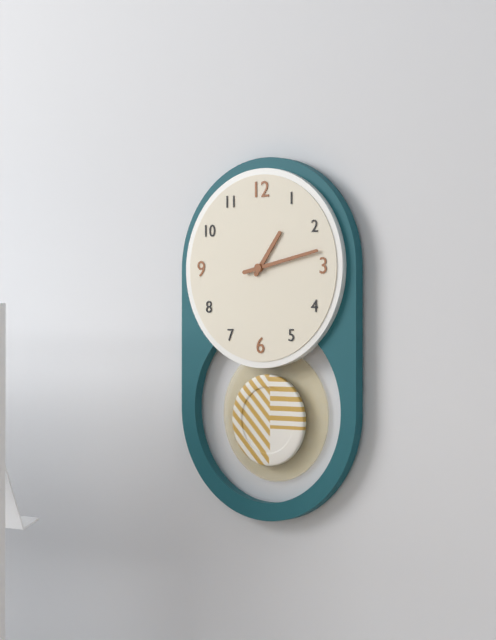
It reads 1,13
